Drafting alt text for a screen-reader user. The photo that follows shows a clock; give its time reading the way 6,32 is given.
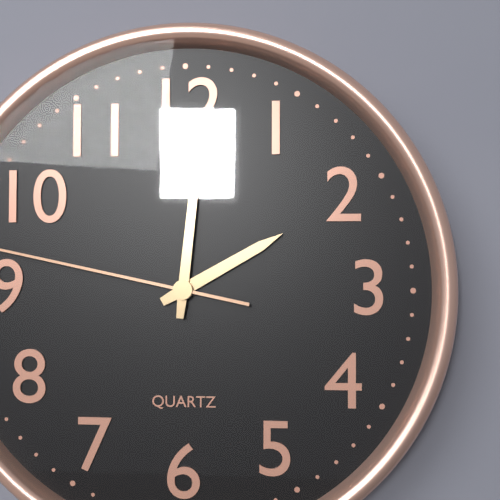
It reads 2,01
